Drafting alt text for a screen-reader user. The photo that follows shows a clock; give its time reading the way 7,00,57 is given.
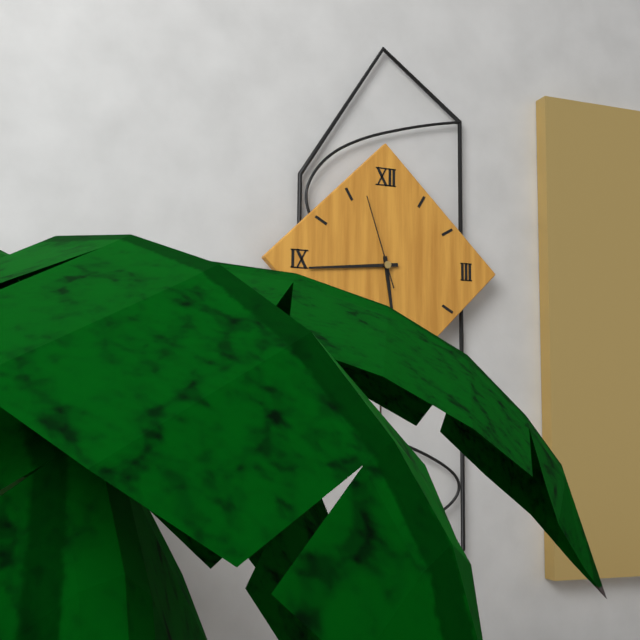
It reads 5,44,57
